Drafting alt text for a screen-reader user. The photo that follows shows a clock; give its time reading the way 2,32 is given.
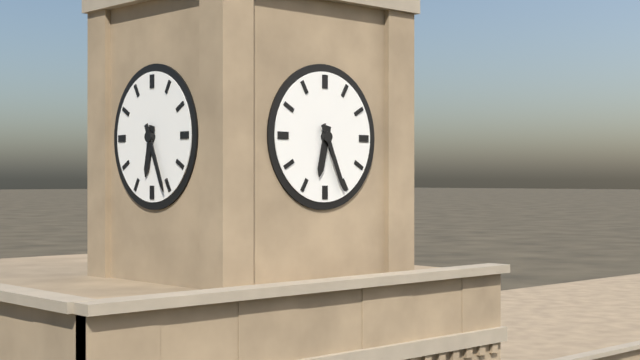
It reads 6,26
